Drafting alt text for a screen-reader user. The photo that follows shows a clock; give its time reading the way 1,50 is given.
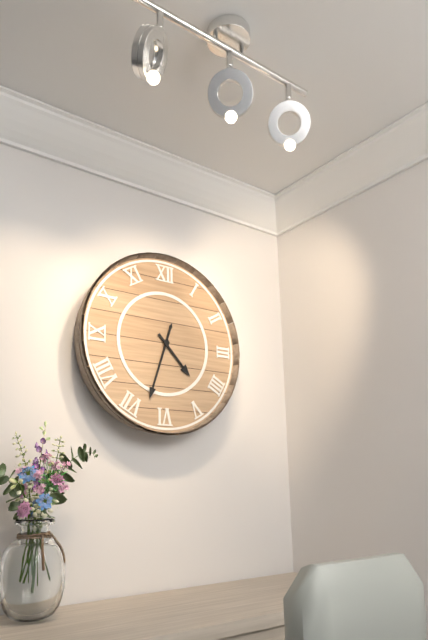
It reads 4,33
